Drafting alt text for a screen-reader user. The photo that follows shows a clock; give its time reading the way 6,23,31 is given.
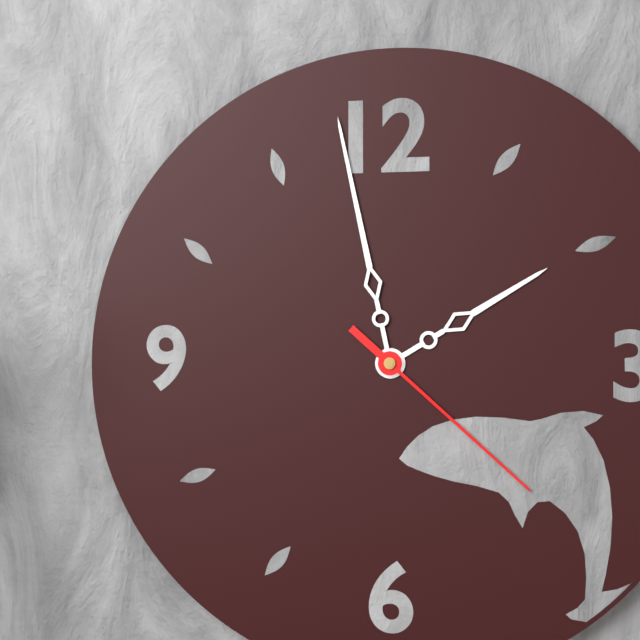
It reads 1,58,22
